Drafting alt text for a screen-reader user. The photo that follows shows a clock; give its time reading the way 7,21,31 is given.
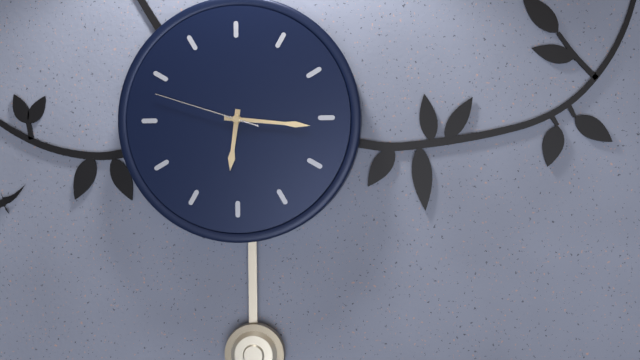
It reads 6,16,48
